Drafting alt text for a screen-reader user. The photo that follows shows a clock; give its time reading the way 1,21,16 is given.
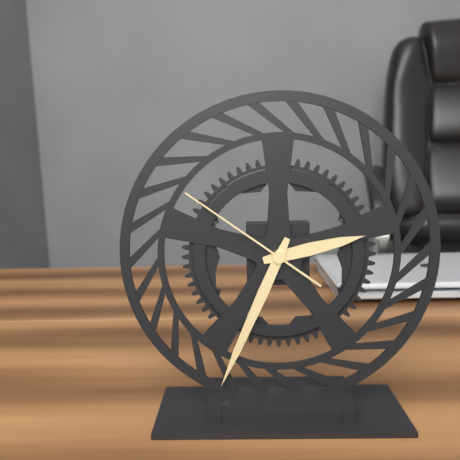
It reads 2,34,51
